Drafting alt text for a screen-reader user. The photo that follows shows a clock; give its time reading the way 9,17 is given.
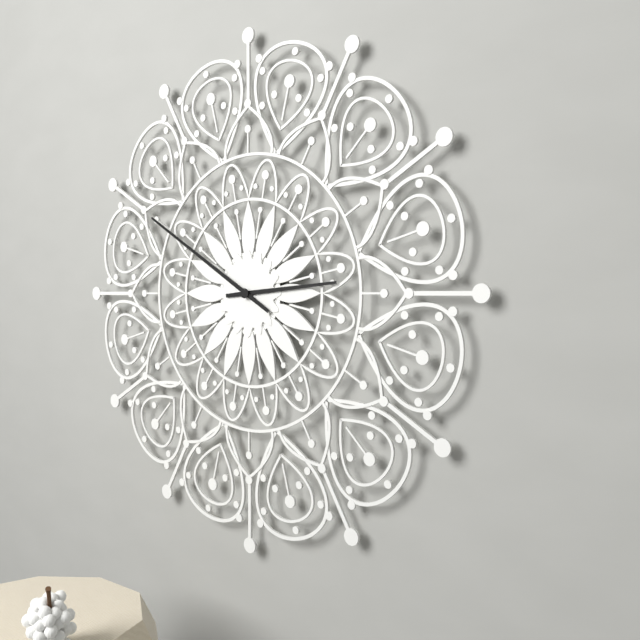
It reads 2,50
